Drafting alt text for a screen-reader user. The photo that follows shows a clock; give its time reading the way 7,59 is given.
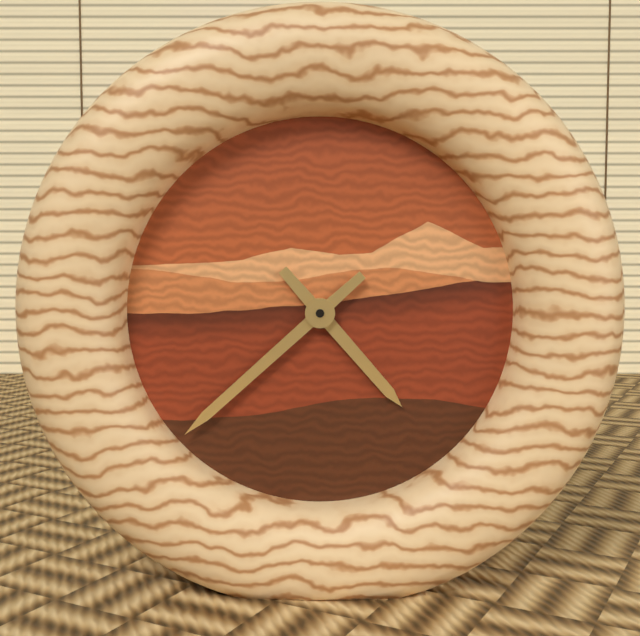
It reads 4,38
